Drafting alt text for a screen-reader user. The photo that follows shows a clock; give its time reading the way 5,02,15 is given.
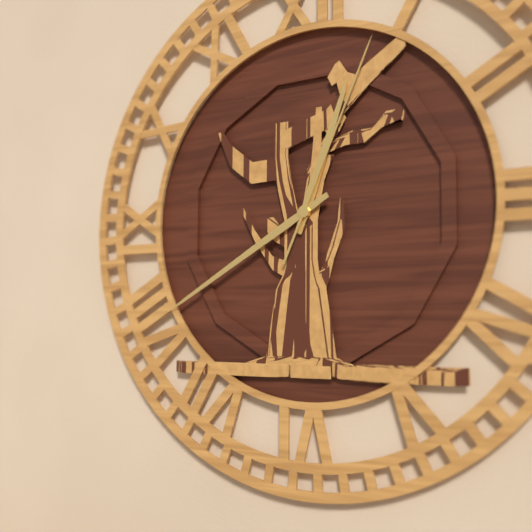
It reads 12,40,04
